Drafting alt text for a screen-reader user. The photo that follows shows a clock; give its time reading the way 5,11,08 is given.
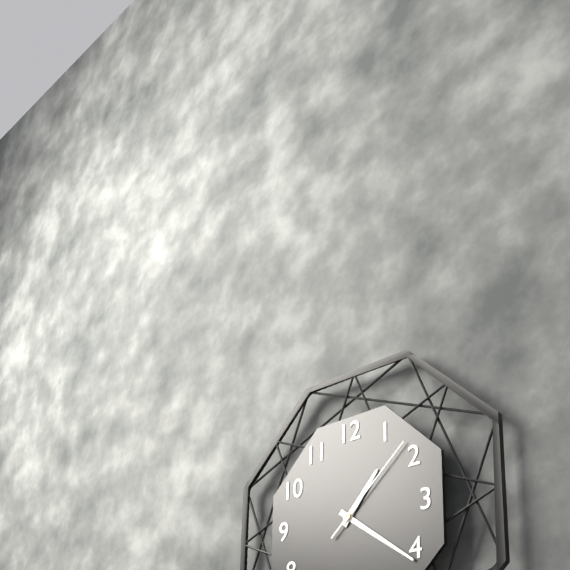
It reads 1,21,08
